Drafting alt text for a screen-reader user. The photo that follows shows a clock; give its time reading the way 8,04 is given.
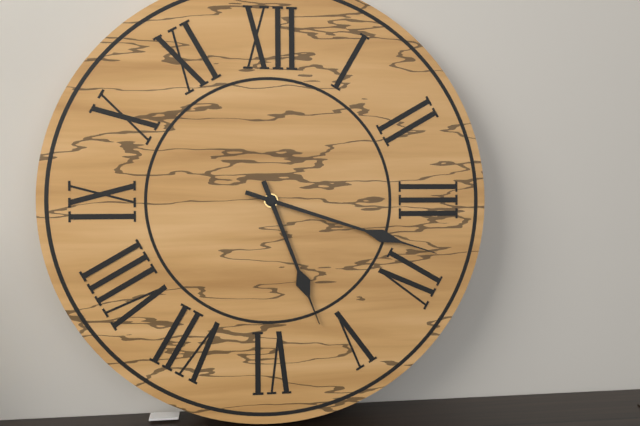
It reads 5,18
